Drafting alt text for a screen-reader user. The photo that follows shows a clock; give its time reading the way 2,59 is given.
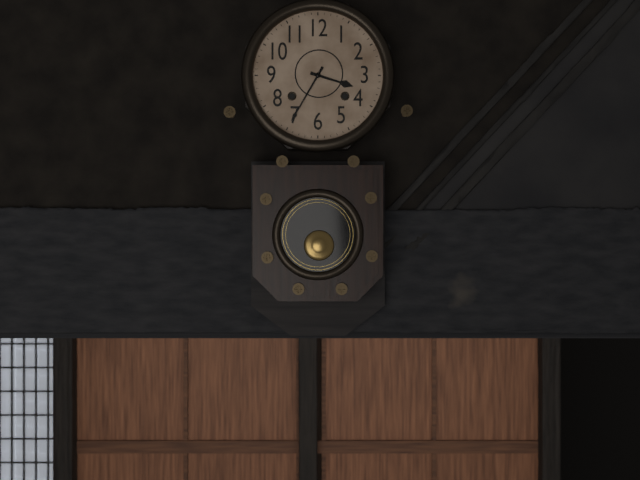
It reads 3,35
